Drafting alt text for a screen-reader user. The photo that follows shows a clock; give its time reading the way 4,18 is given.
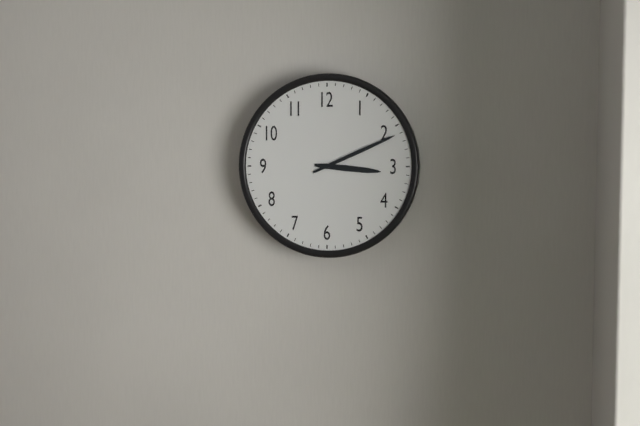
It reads 3,11
